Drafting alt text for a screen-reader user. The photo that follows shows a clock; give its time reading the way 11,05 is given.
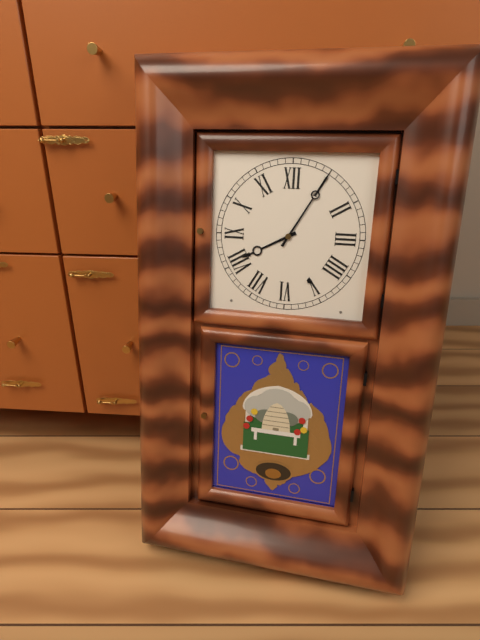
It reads 8,05
